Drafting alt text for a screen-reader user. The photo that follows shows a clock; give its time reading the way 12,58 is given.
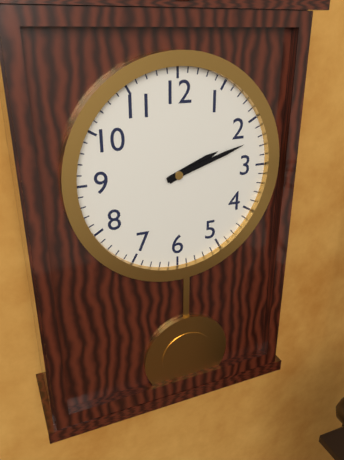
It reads 2,12
